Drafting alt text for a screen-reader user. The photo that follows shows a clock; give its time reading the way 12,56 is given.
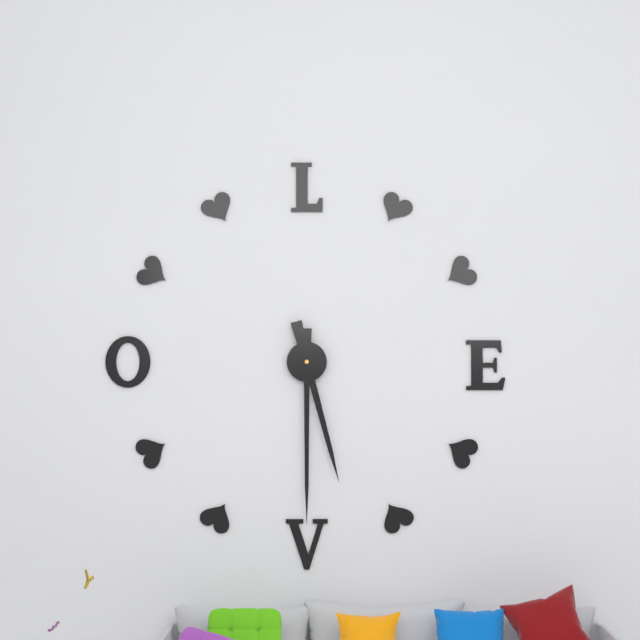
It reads 5,30
